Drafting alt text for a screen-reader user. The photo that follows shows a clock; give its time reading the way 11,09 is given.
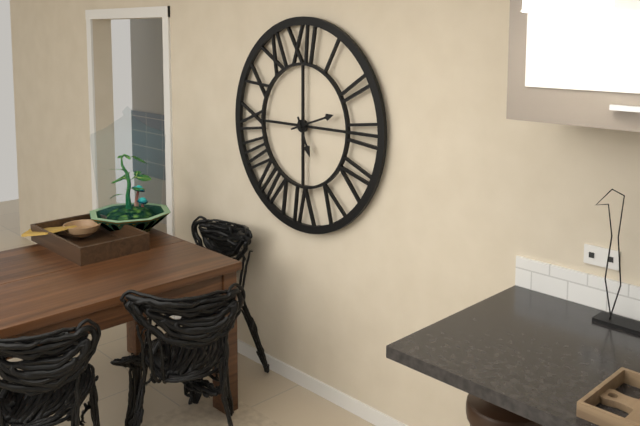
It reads 5,12
